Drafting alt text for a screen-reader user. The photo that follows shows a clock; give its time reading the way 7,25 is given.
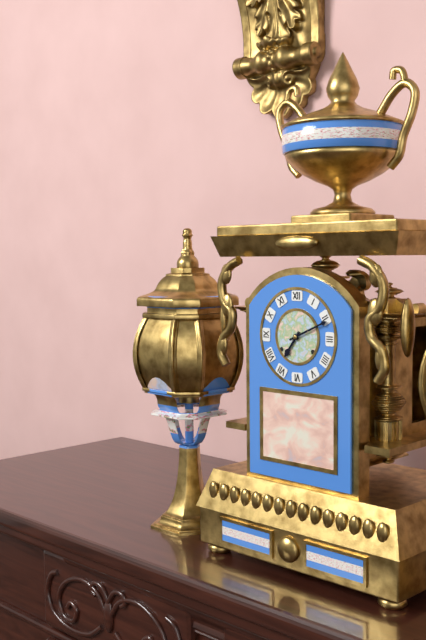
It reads 7,11
